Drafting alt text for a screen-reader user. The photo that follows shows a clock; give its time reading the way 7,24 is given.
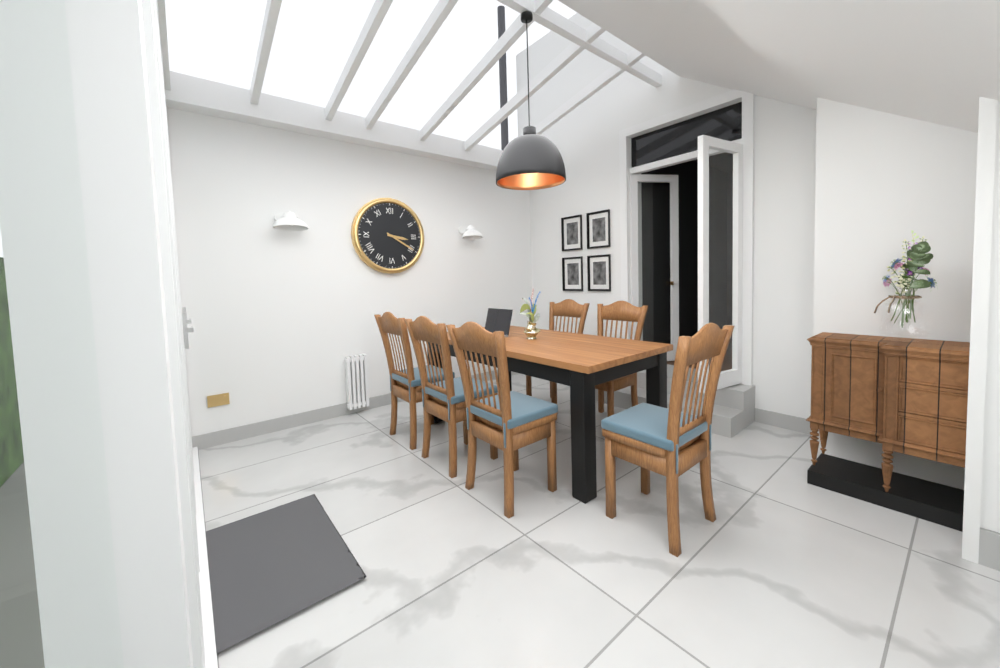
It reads 3,20
